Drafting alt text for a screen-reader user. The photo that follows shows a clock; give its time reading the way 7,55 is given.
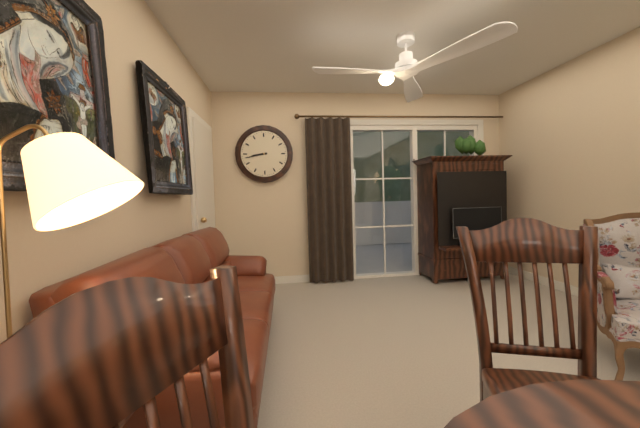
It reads 8,43
